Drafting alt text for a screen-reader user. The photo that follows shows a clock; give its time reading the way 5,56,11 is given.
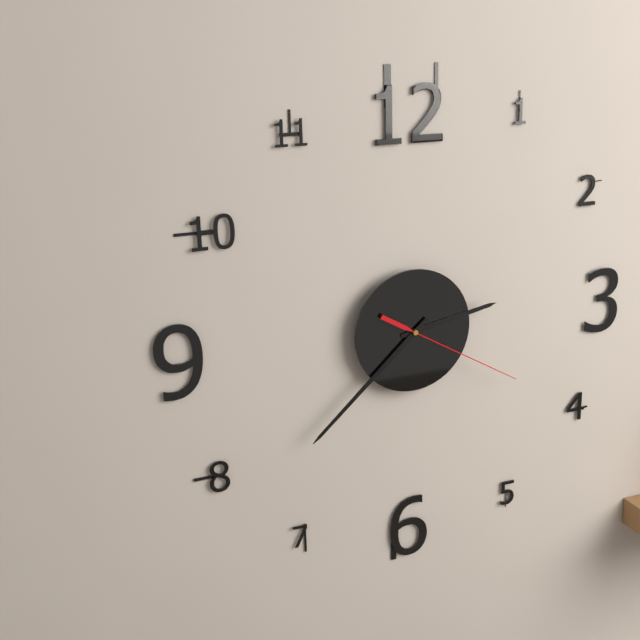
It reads 2,38,20
